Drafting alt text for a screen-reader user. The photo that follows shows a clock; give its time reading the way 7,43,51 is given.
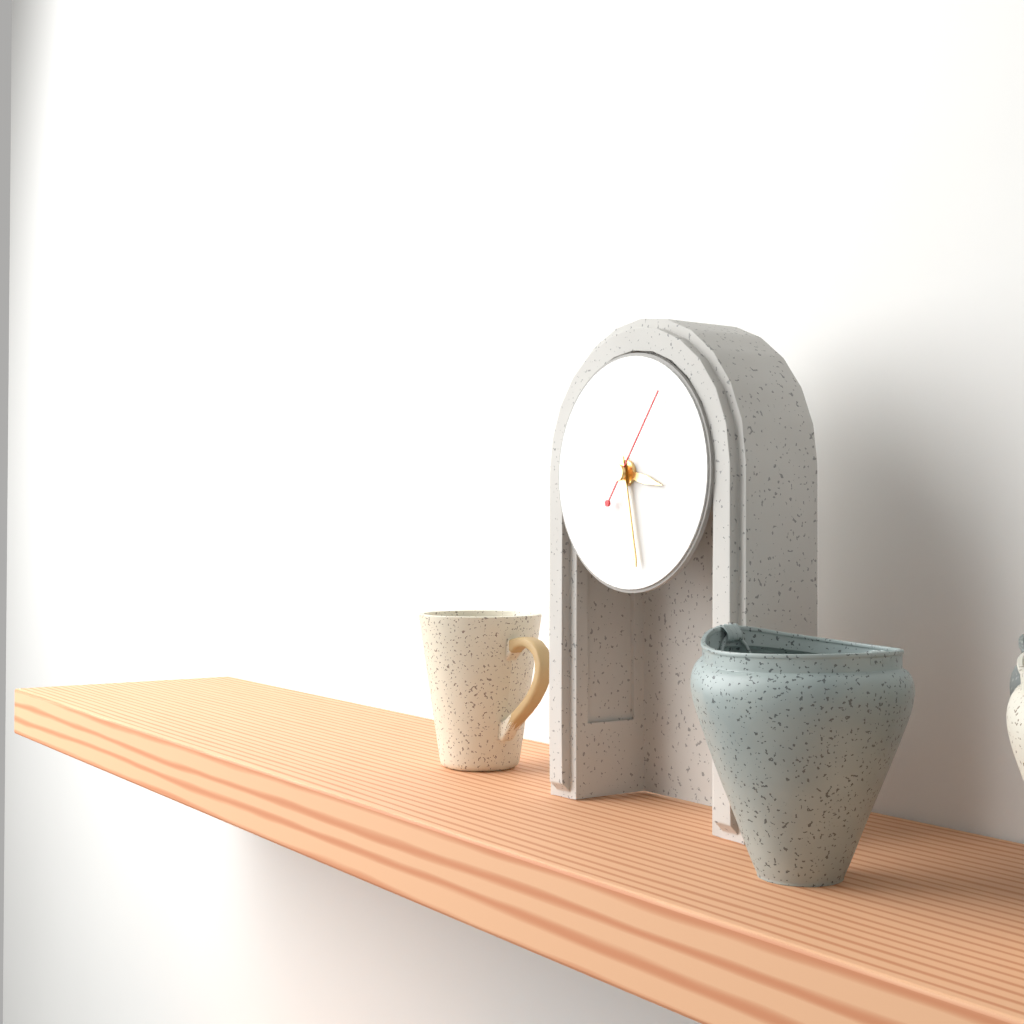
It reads 3,28,06
